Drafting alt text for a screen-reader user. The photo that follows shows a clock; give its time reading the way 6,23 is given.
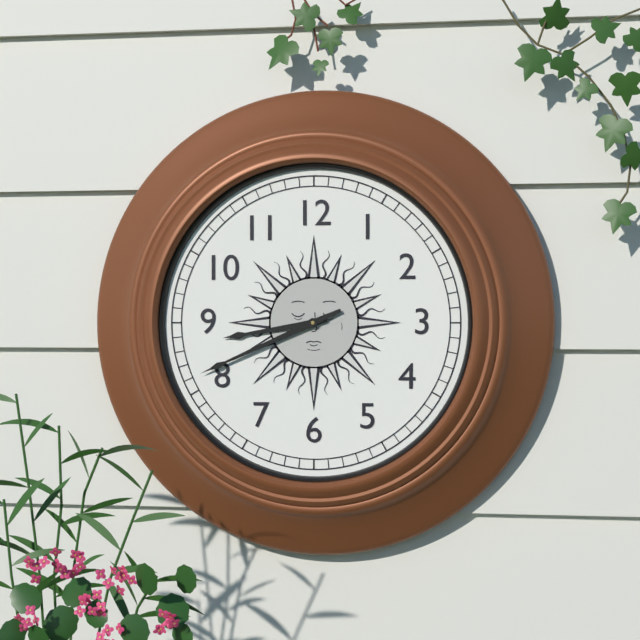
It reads 8,41
